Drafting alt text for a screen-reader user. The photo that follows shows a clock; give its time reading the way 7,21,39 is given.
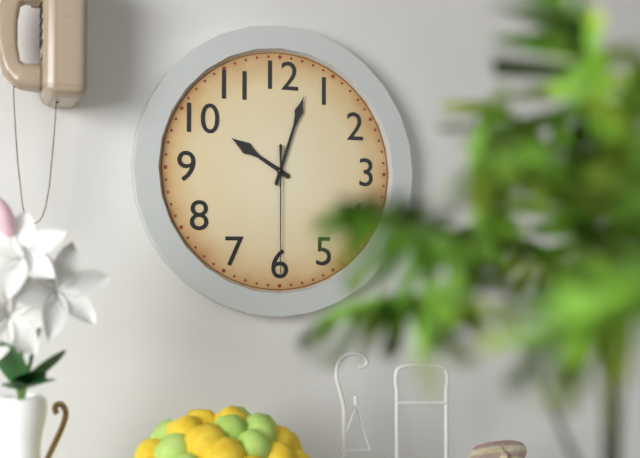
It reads 10,03,30
